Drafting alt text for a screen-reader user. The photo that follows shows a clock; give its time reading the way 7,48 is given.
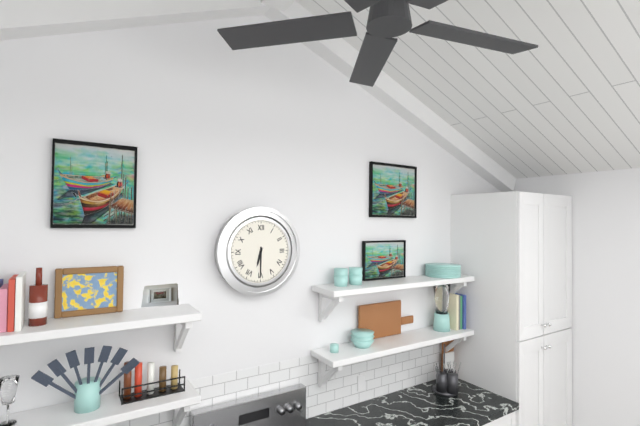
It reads 6,30
